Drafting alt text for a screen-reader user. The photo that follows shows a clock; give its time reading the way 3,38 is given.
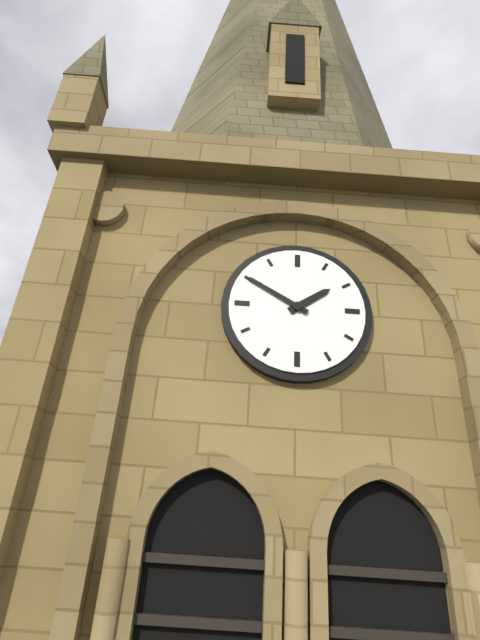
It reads 1,50
